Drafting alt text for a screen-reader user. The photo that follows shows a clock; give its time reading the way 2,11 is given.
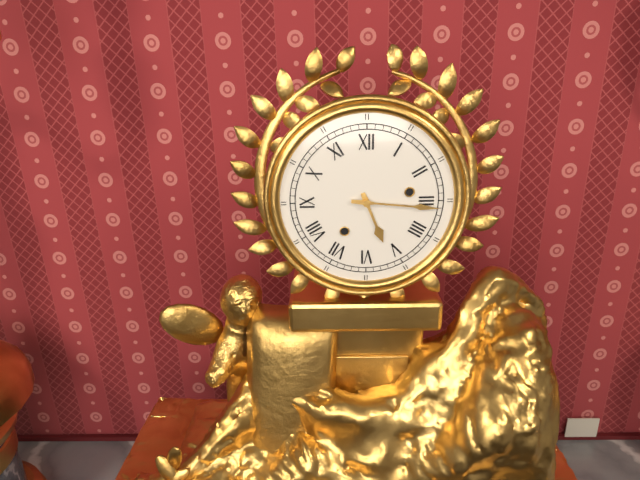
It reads 5,16
